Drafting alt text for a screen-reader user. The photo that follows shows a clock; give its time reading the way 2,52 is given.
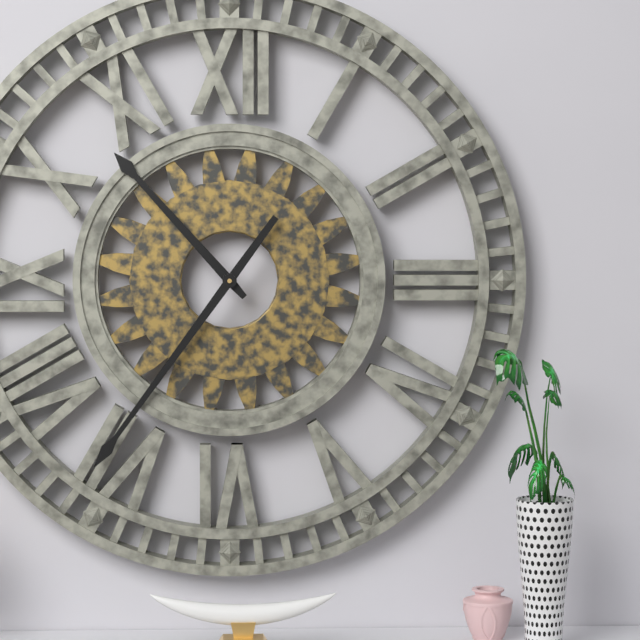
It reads 10,36
